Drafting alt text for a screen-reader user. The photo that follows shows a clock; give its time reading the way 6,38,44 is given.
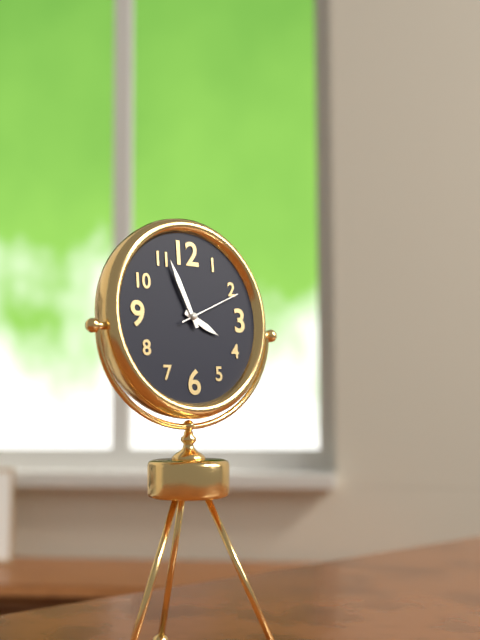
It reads 3,56,11
